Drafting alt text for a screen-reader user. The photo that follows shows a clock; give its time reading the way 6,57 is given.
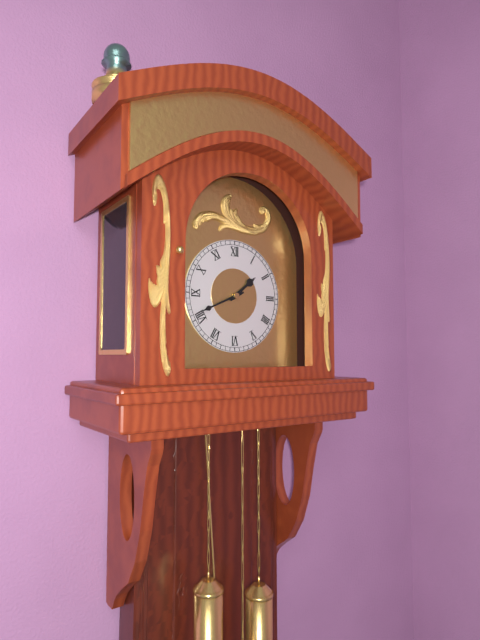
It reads 1,41
